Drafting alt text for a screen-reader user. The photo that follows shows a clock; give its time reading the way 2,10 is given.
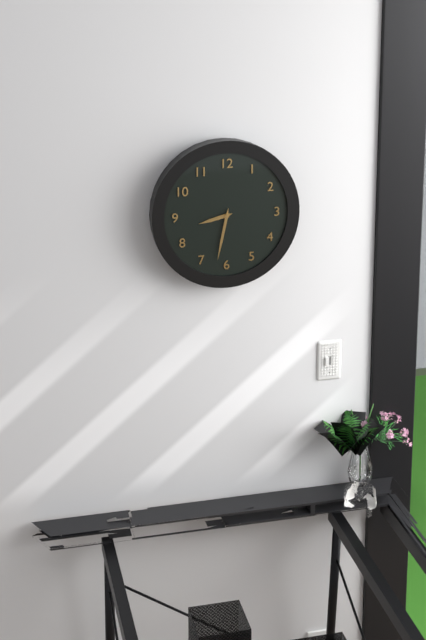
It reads 8,32
